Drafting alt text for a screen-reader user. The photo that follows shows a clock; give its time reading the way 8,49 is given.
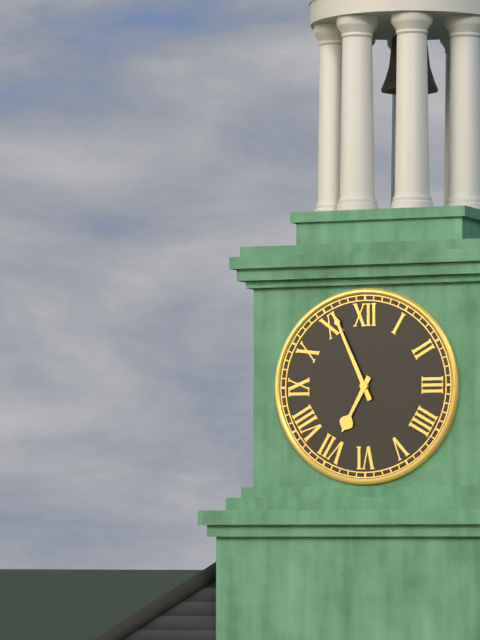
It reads 6,56
